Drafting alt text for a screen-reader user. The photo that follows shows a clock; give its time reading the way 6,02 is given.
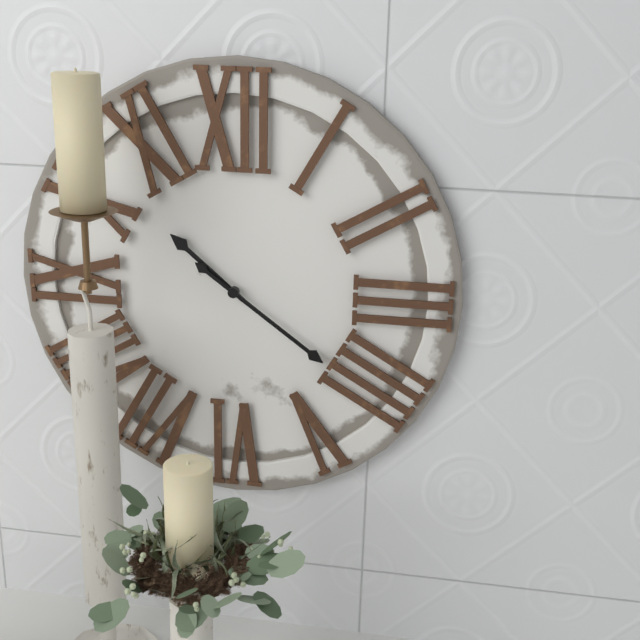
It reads 10,21
